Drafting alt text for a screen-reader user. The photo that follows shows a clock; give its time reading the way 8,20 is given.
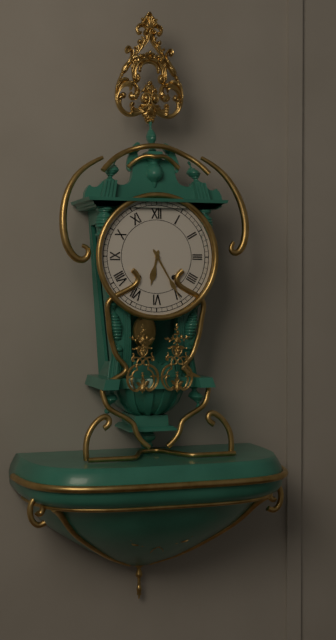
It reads 6,25
